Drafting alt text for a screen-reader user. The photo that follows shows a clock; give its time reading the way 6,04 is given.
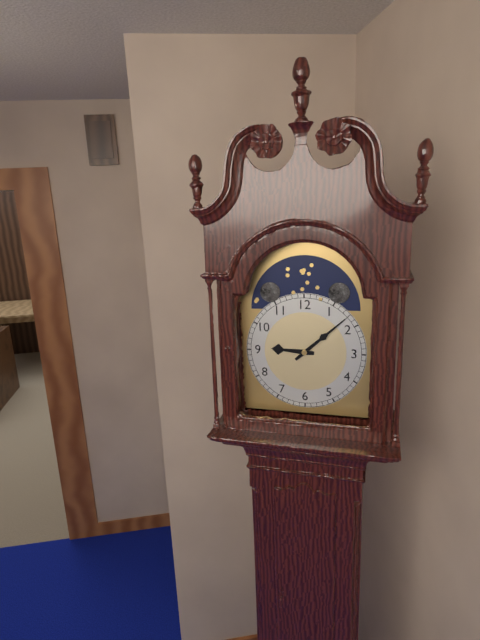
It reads 9,08
